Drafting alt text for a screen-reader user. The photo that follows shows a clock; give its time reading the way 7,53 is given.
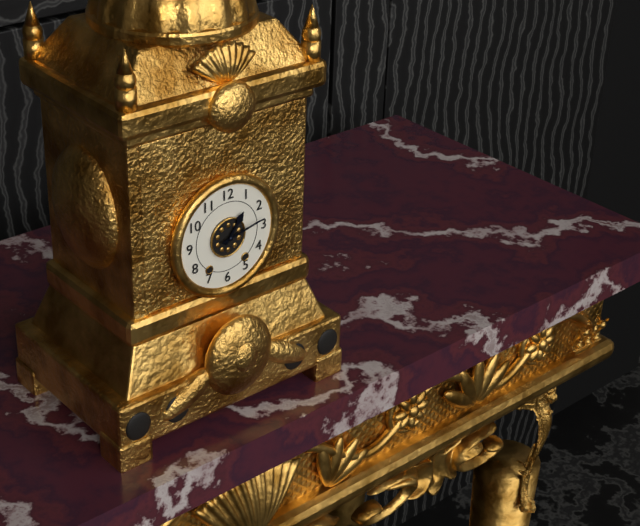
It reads 1,13
